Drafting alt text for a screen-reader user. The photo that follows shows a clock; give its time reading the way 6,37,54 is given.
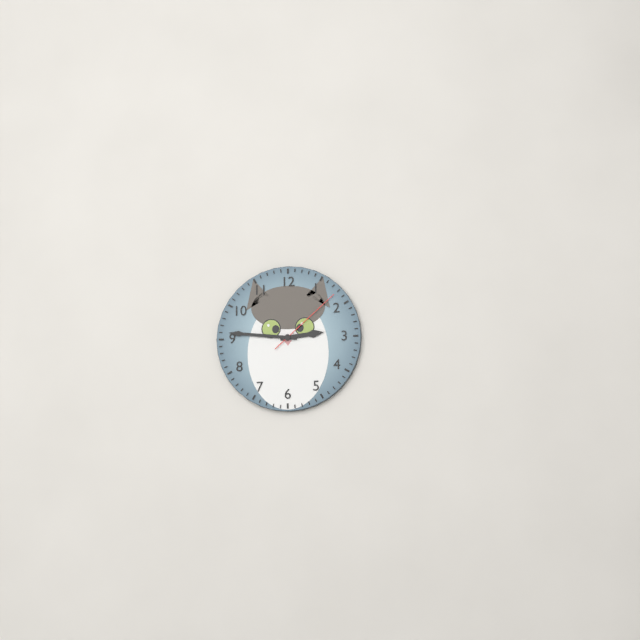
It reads 2,46,08
